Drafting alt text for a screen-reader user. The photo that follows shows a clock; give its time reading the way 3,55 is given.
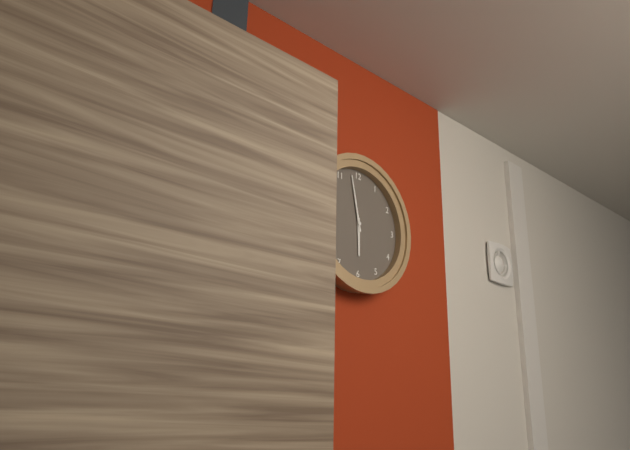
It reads 5,58
